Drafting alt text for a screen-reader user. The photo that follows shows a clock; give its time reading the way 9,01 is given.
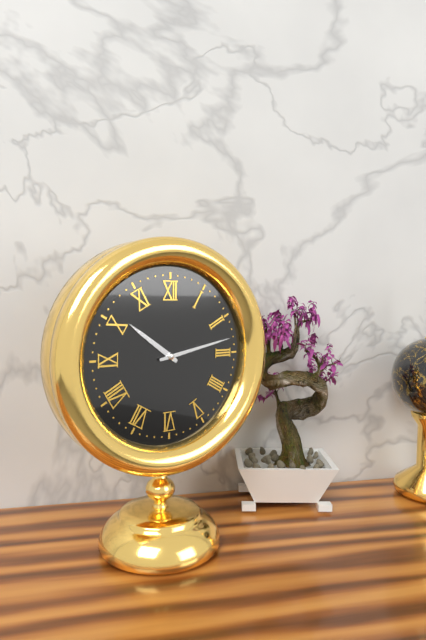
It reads 10,13
